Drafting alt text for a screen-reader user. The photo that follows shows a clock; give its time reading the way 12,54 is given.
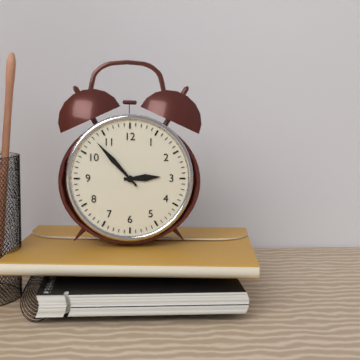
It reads 2,53
